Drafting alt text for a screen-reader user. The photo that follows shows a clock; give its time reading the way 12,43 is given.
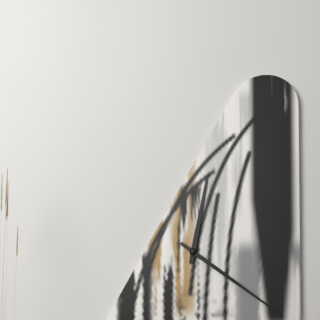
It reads 12,21
